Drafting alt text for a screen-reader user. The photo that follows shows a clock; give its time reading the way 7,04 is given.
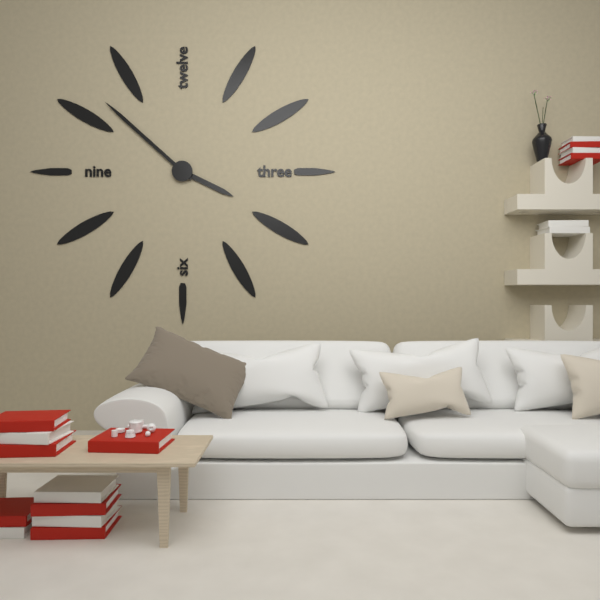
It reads 3,52
